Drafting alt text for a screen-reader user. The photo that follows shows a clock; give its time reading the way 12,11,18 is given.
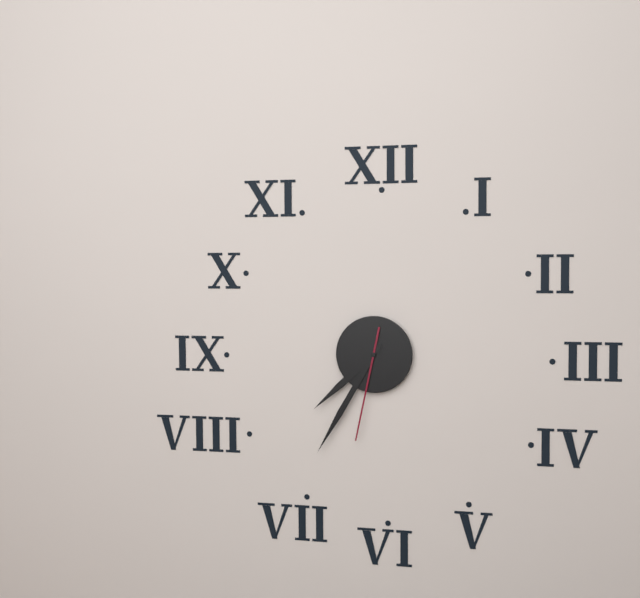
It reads 7,35,32
